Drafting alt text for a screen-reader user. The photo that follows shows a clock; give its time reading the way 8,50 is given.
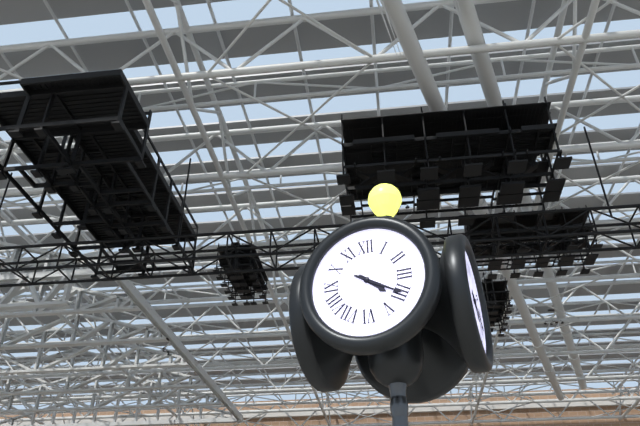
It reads 4,20
